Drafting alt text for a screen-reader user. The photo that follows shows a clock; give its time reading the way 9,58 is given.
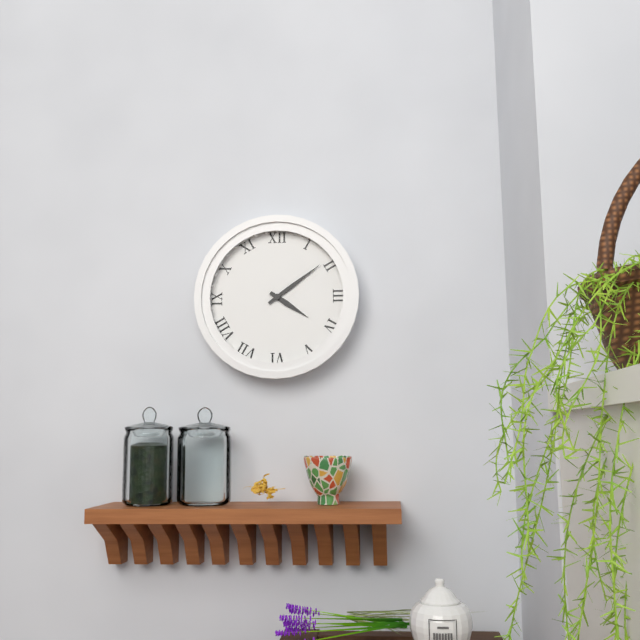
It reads 4,09
